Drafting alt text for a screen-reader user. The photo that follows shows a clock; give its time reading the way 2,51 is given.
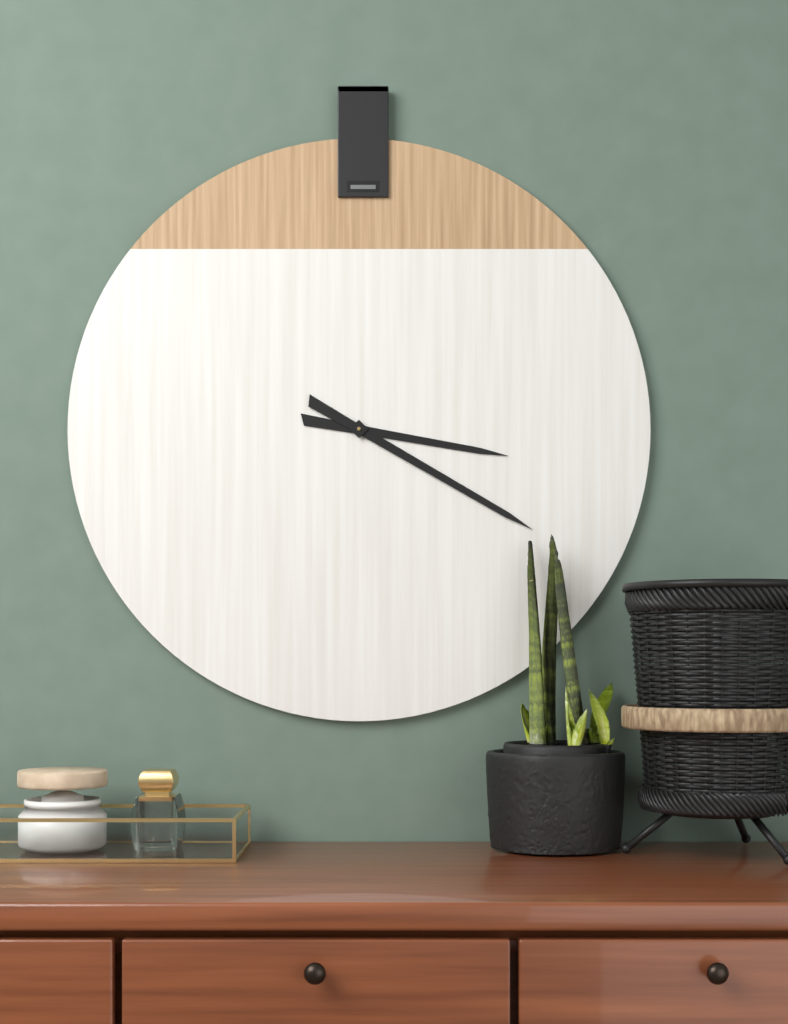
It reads 3,20
